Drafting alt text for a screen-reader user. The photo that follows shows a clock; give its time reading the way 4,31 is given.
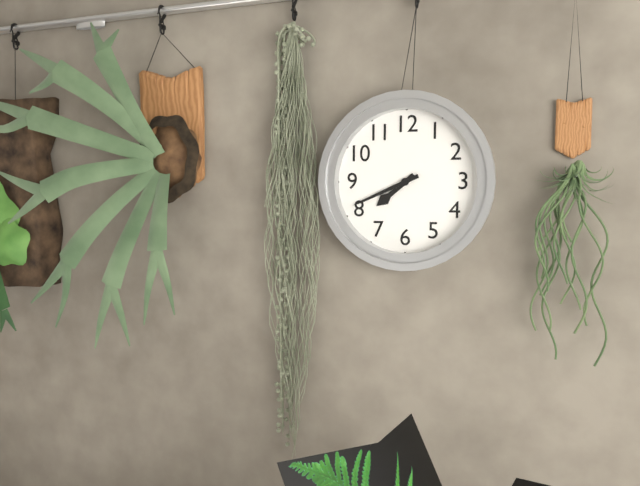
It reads 7,41
